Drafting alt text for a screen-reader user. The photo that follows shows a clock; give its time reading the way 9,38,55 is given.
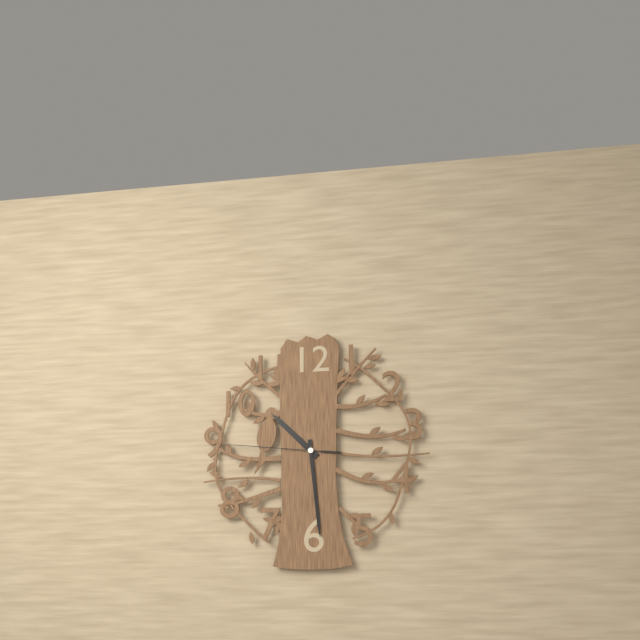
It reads 10,29,46
